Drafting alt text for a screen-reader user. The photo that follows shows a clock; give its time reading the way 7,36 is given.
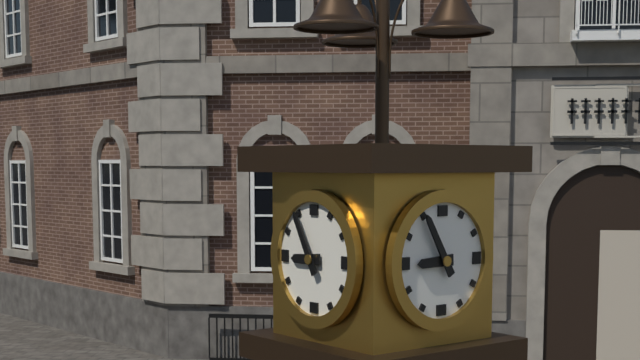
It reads 8,55
